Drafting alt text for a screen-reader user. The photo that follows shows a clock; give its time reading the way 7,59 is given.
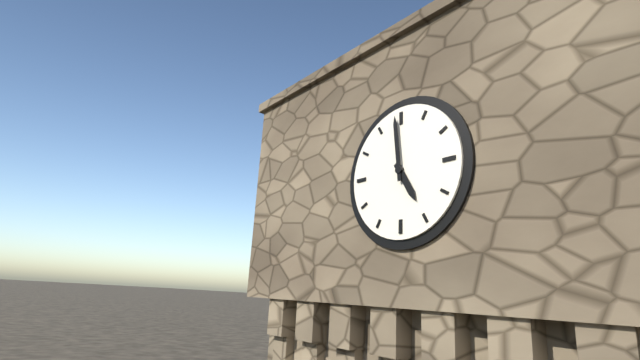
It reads 4,59
